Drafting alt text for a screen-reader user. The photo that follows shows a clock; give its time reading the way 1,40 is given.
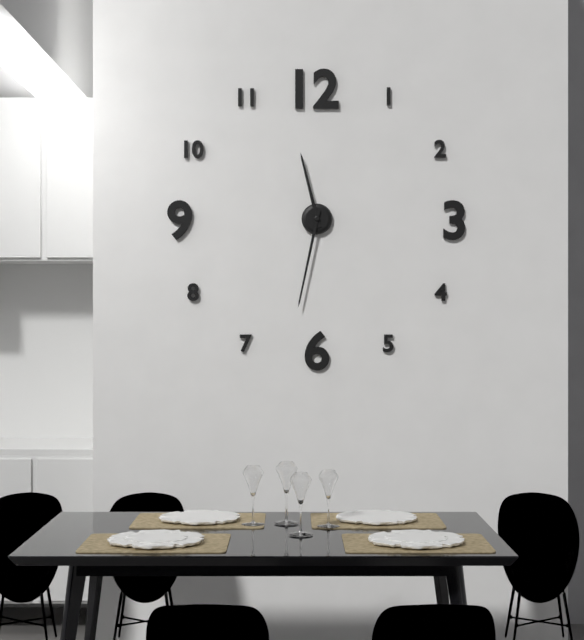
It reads 11,32
